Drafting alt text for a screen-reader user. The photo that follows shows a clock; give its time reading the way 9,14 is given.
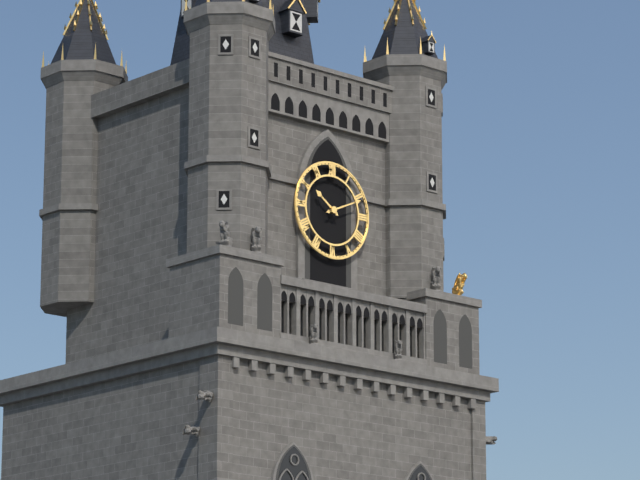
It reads 10,11
